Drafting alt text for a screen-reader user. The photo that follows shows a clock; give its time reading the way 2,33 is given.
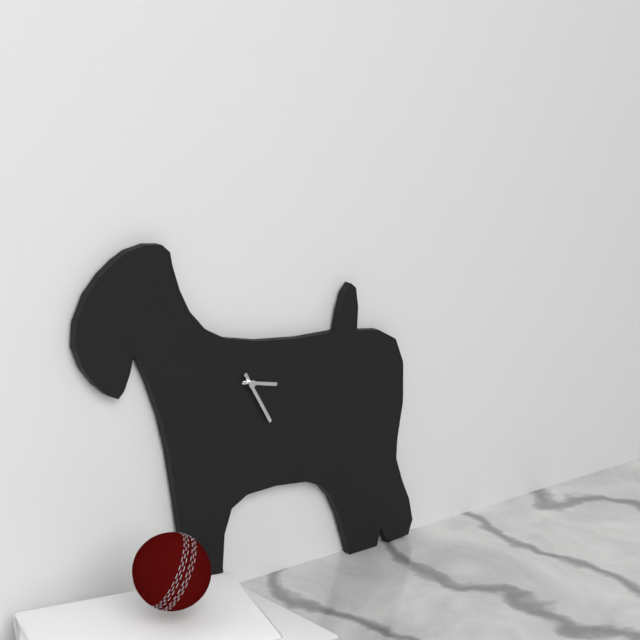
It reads 3,25
